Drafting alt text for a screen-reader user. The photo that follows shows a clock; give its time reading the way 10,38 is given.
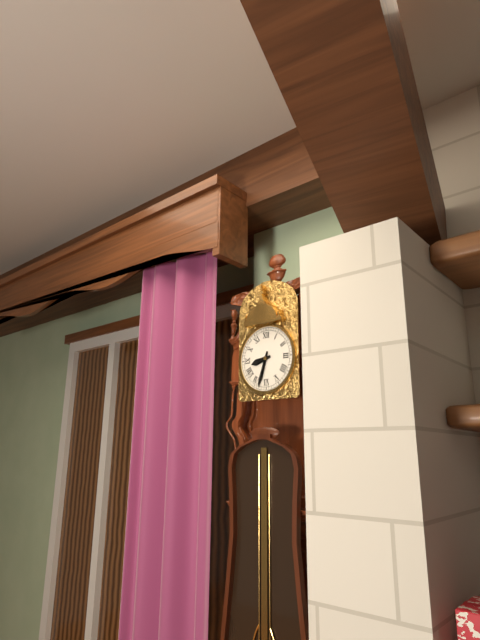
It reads 8,33
